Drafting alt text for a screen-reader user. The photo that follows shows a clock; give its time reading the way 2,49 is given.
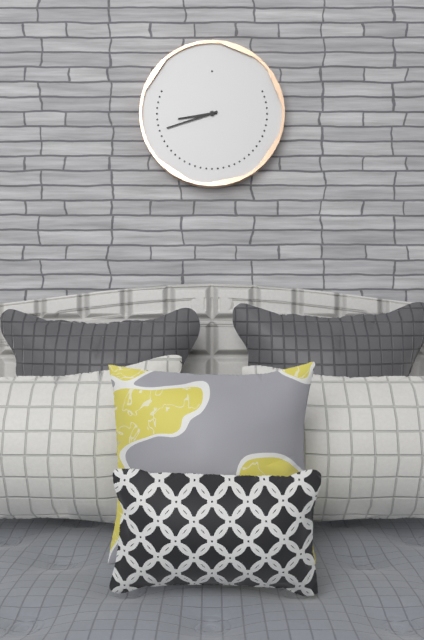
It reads 8,42
